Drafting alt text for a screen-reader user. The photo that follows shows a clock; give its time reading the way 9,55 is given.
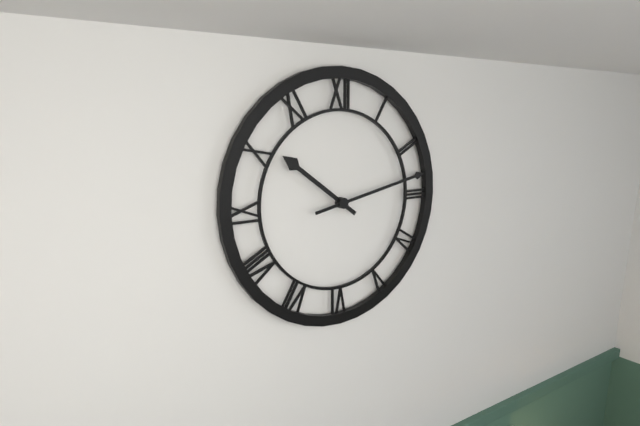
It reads 10,13
